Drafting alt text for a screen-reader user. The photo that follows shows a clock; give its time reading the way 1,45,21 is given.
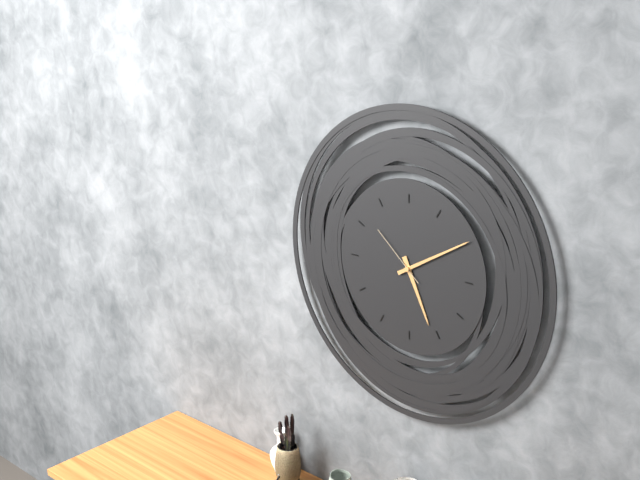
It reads 5,10,52
